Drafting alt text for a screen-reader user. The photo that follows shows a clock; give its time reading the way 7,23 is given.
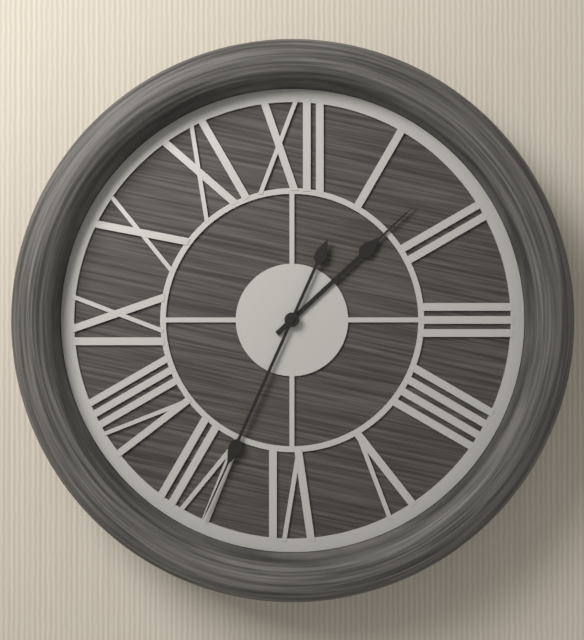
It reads 1,34
